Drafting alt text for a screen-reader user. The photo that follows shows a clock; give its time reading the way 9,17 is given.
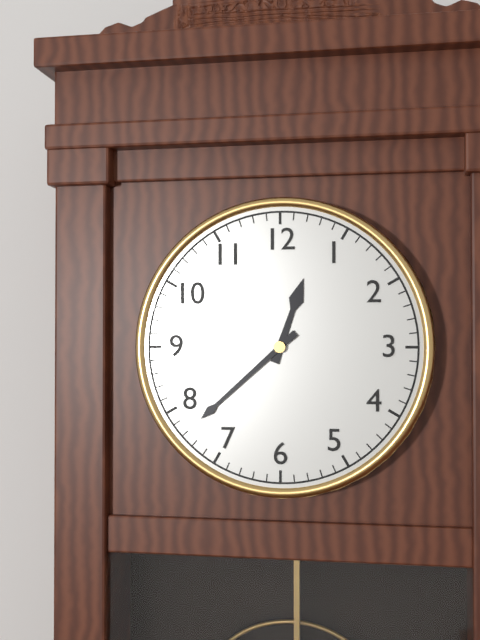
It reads 12,38
